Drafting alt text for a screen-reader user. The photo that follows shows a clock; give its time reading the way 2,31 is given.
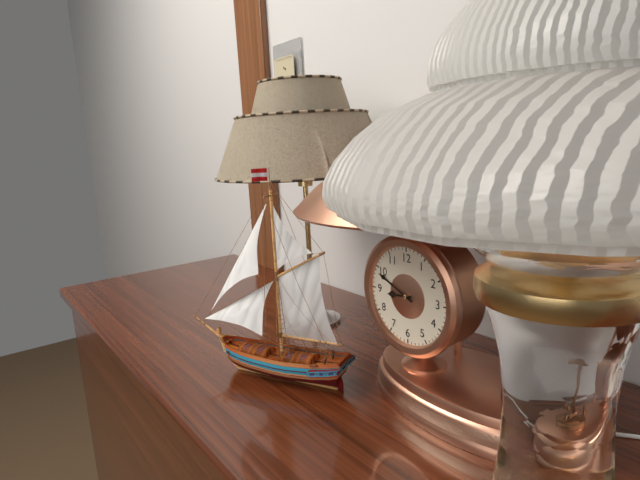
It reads 8,49
